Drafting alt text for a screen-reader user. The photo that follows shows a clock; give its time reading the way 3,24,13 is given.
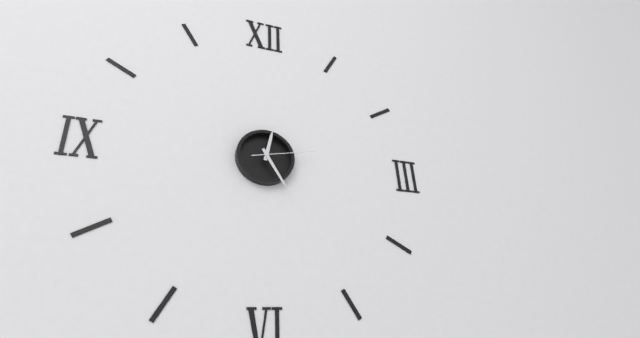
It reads 12,25,13
